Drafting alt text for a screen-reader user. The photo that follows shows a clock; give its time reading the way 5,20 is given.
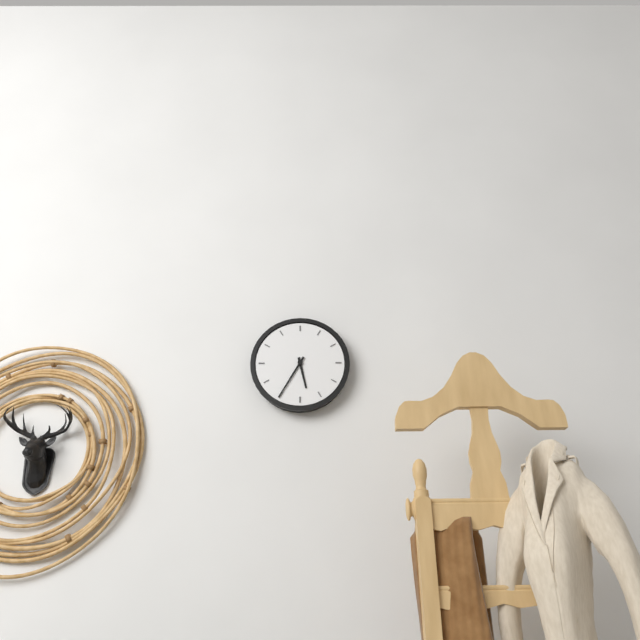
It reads 5,35
